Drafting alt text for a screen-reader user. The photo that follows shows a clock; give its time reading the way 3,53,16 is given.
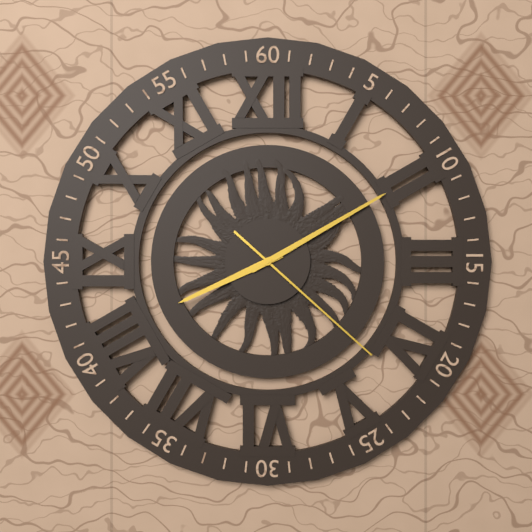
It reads 8,10,22
